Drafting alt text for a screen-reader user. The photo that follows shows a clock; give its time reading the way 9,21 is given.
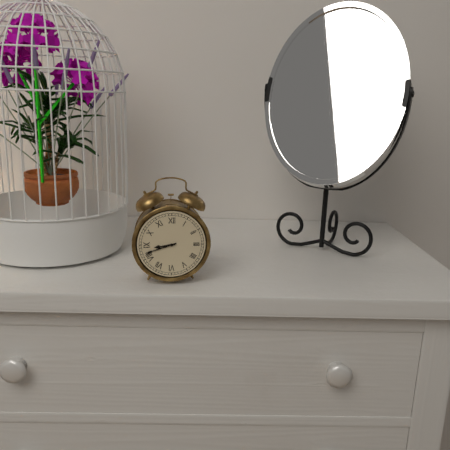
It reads 8,42
